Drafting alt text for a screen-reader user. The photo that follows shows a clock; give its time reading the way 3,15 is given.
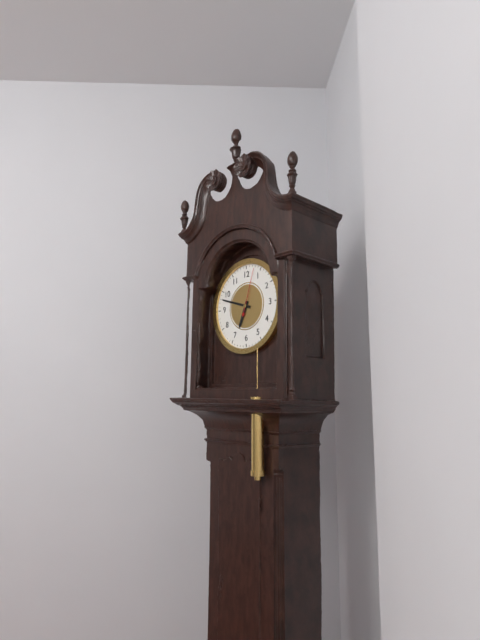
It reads 6,48
